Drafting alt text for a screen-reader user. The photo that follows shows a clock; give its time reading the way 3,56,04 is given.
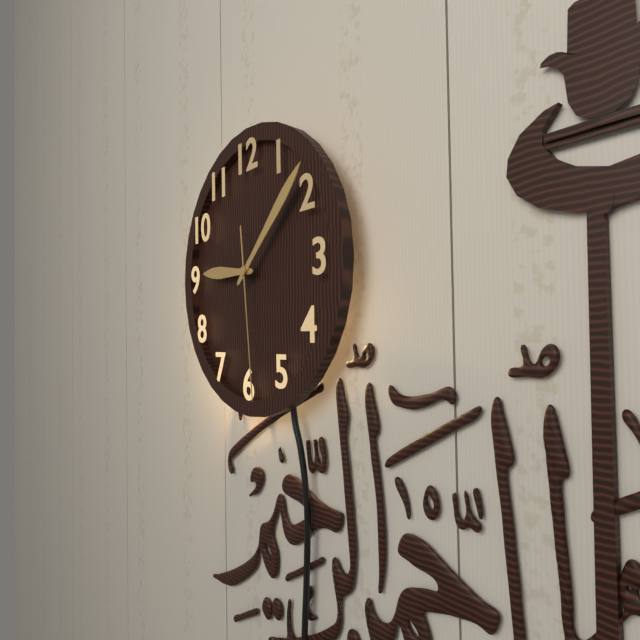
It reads 9,08,29
